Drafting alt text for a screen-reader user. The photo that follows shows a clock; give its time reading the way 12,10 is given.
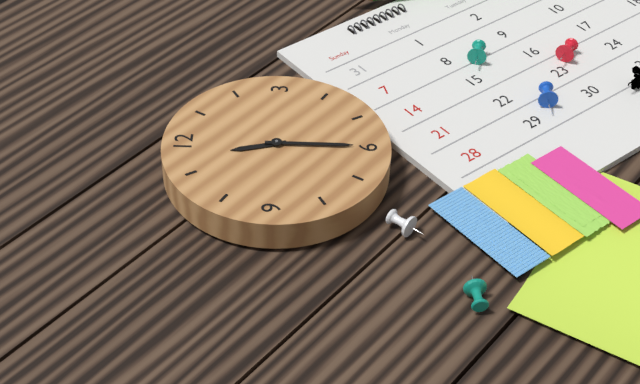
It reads 11,30
